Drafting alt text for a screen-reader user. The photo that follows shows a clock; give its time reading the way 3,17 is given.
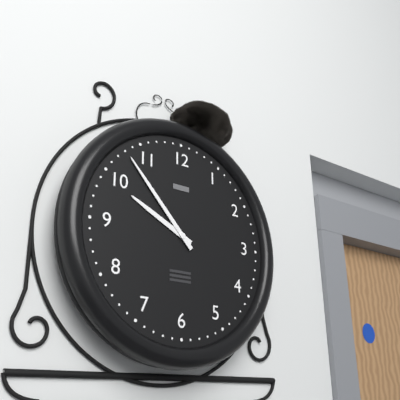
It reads 9,53
